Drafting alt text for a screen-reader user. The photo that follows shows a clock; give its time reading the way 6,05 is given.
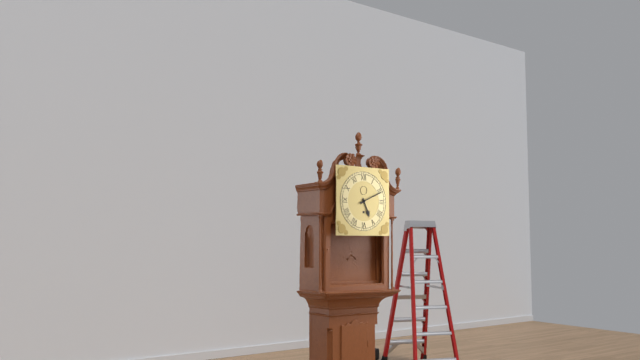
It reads 5,11
